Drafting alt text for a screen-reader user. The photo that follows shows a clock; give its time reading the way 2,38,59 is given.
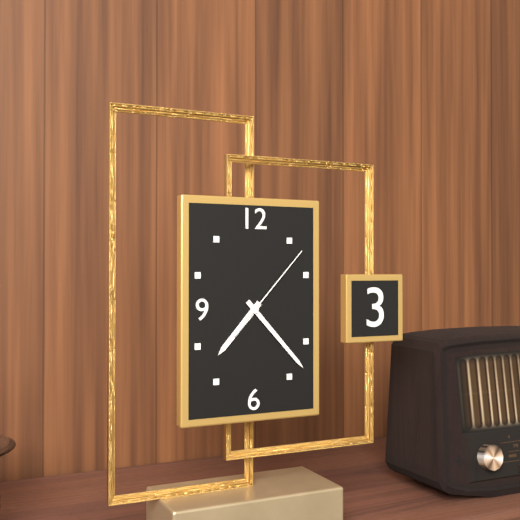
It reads 7,23,07
